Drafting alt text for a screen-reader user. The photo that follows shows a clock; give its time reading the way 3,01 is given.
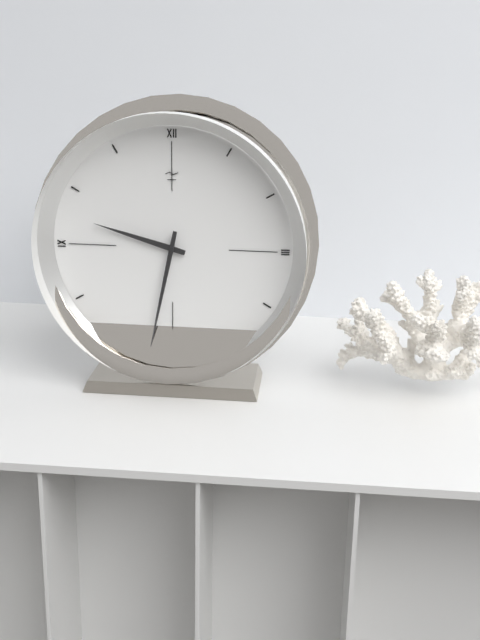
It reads 9,32
